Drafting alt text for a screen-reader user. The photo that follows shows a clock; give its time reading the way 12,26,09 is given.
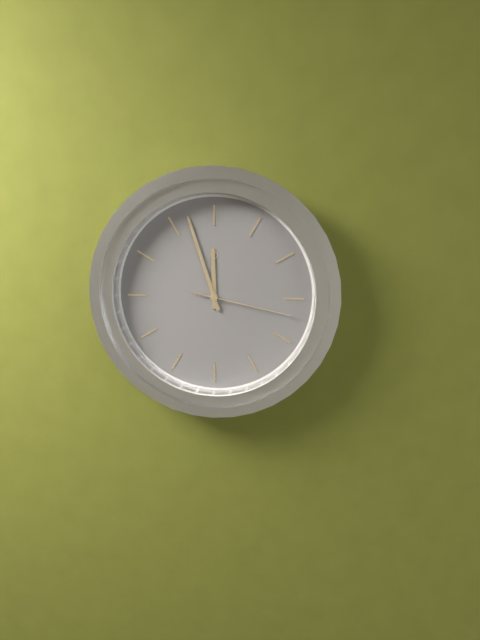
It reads 11,57,17
